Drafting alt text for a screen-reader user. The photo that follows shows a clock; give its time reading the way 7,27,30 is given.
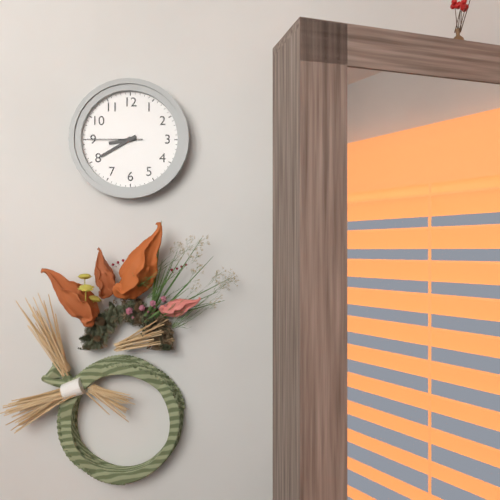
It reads 8,40,45
